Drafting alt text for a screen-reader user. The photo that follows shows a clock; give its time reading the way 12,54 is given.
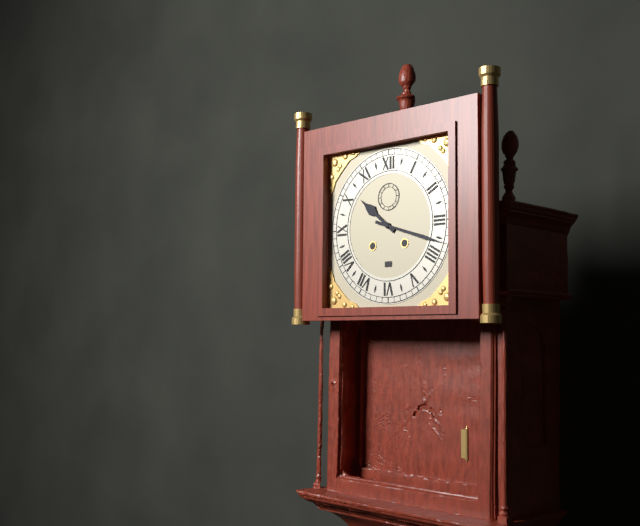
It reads 10,18
